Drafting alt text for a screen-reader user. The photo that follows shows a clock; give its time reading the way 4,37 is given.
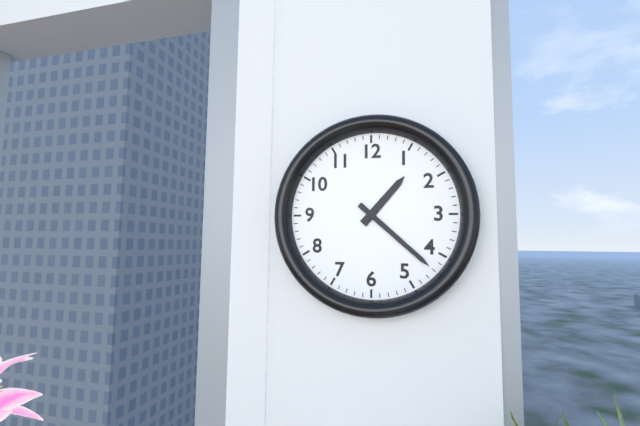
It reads 1,22
